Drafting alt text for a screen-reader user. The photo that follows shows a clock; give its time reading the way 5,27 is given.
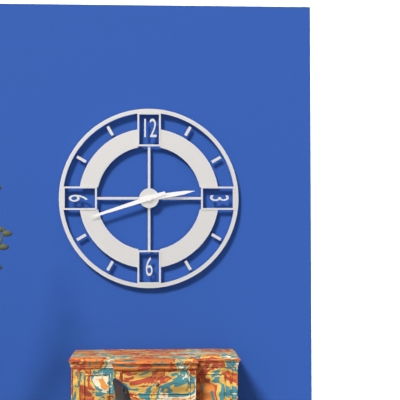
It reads 2,42
